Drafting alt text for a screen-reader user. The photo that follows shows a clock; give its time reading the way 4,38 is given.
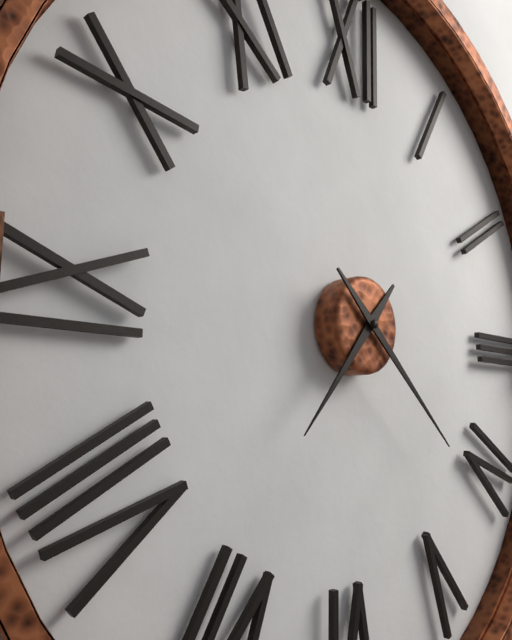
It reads 7,22
